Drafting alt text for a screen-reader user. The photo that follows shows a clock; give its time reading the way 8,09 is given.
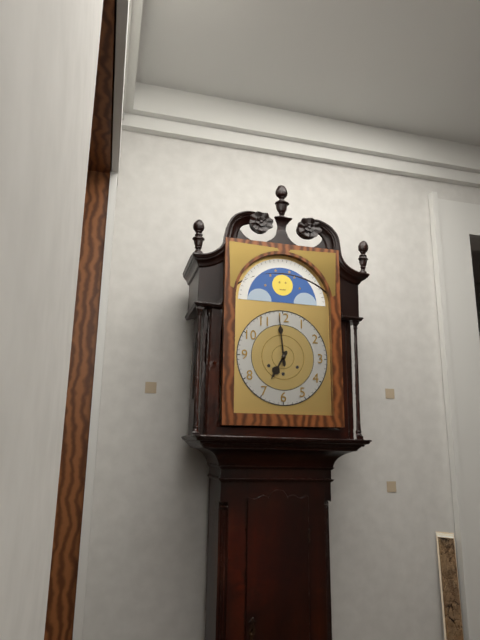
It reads 6,59
